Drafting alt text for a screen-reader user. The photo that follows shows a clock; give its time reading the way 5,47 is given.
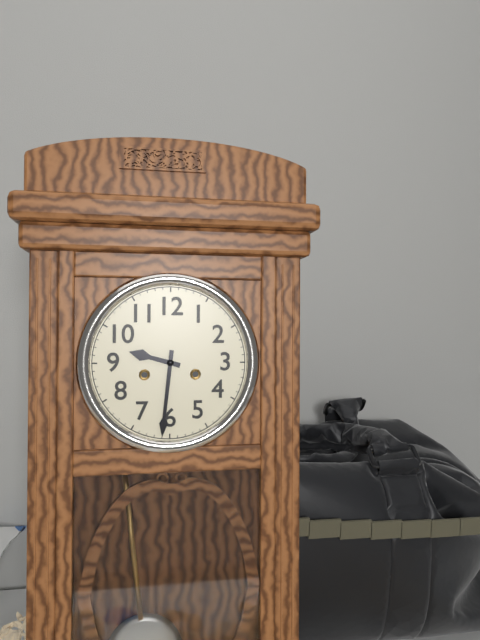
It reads 9,31
